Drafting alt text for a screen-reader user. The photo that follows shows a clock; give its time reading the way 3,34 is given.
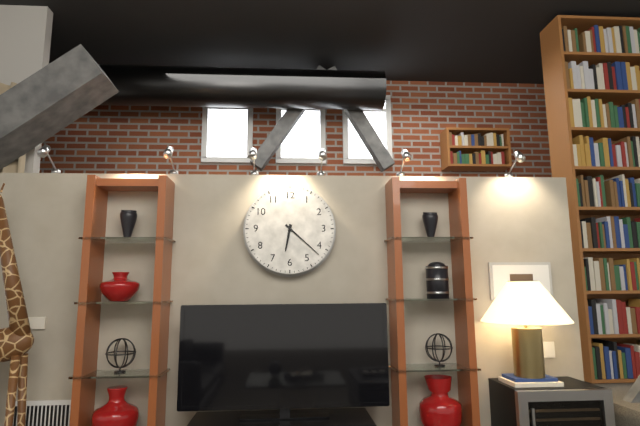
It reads 6,22
